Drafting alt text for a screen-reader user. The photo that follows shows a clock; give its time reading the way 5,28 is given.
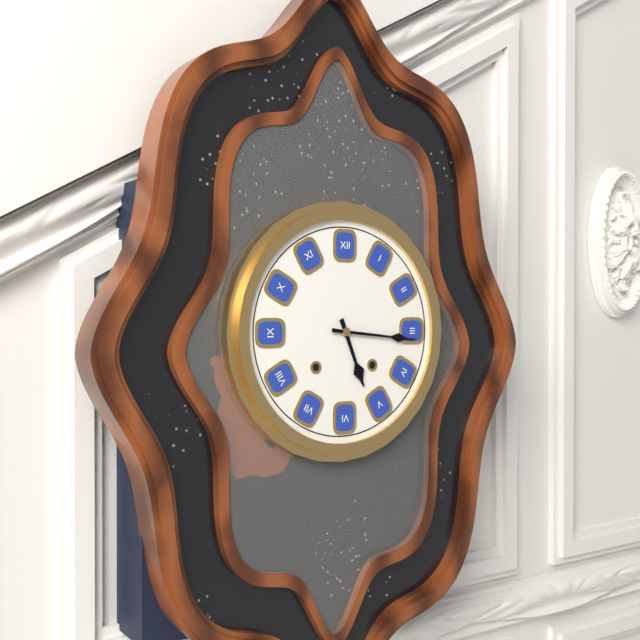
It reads 5,16
